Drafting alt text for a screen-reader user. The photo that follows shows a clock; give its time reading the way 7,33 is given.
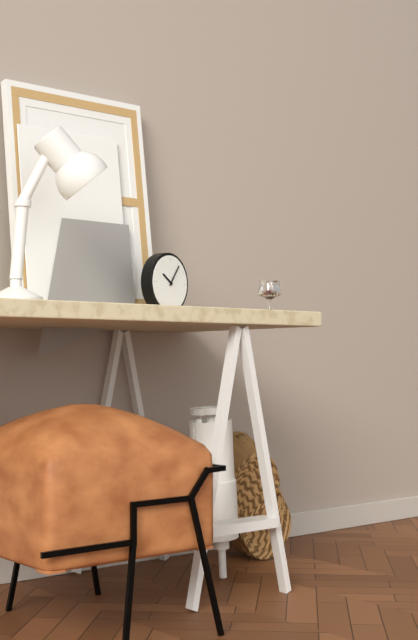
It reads 10,06
